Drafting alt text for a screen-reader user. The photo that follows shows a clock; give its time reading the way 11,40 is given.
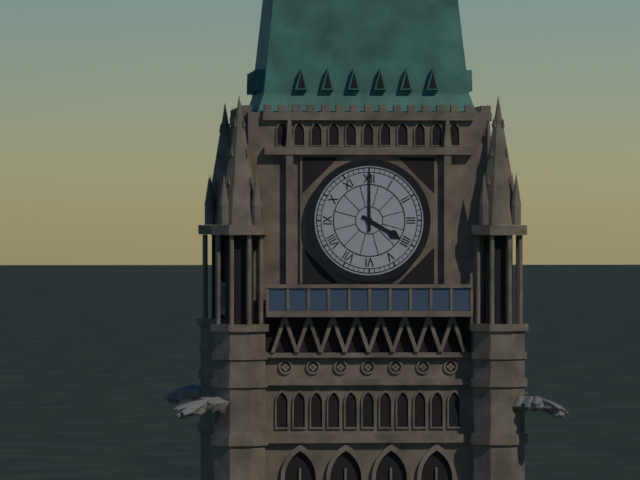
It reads 4,00
